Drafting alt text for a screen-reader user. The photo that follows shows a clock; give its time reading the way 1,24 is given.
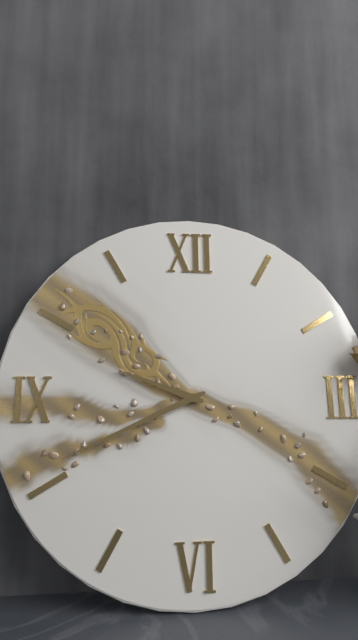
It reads 9,41
